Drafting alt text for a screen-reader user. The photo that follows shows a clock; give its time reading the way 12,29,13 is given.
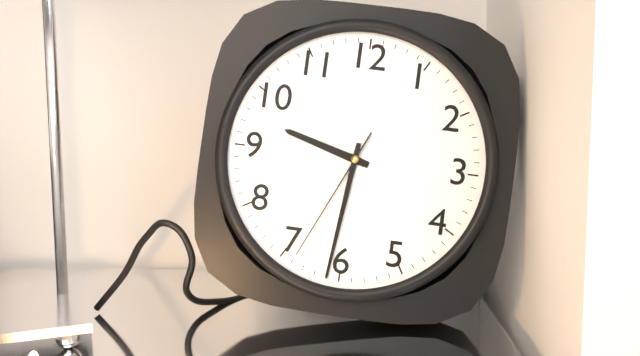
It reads 9,31,34
